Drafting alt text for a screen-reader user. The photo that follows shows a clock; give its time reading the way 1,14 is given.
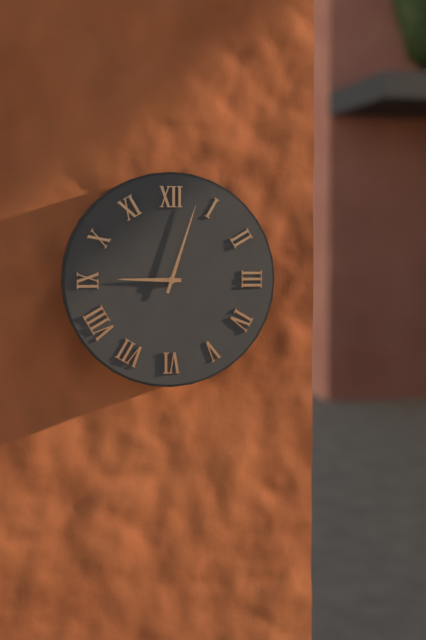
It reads 9,03
